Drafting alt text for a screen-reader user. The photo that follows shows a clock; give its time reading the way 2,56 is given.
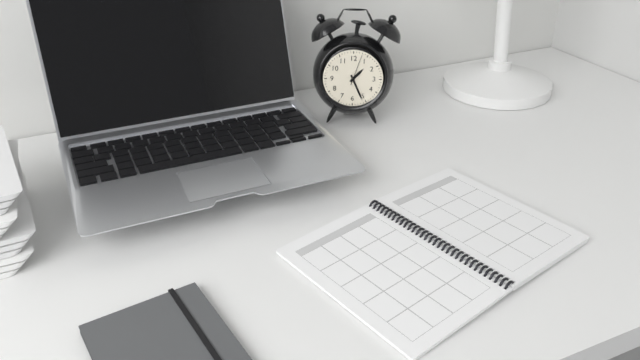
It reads 1,26
